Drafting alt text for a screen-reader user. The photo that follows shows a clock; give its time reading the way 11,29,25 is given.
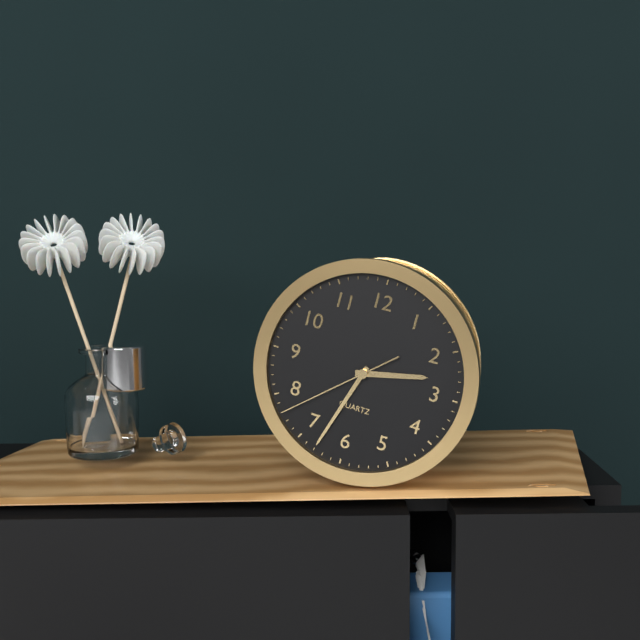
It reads 2,33,38
